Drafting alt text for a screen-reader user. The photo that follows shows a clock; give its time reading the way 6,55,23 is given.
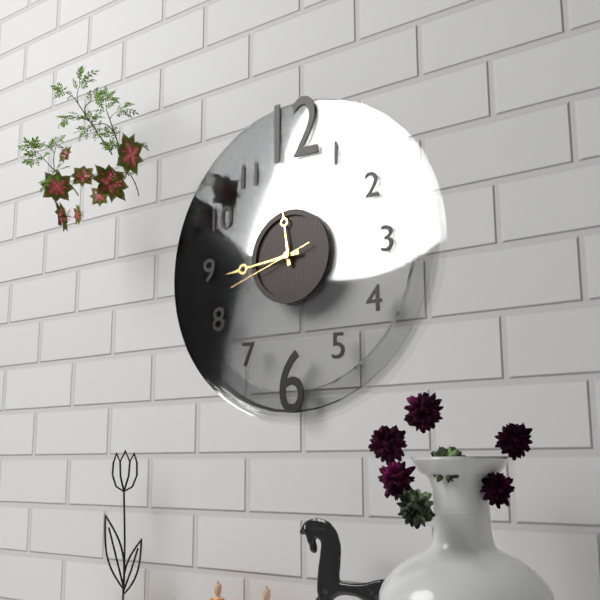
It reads 11,44,42
